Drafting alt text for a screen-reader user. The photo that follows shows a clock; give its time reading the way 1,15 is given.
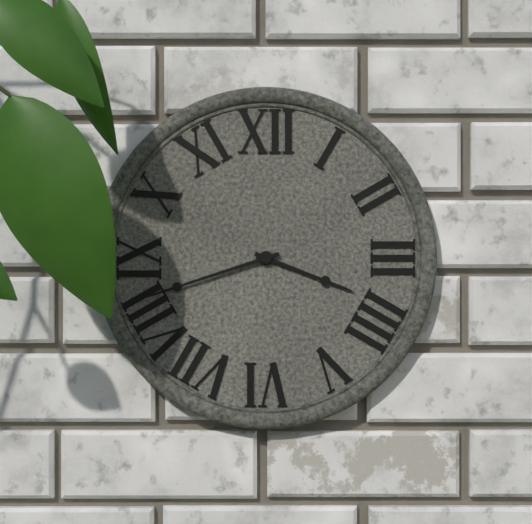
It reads 3,42
